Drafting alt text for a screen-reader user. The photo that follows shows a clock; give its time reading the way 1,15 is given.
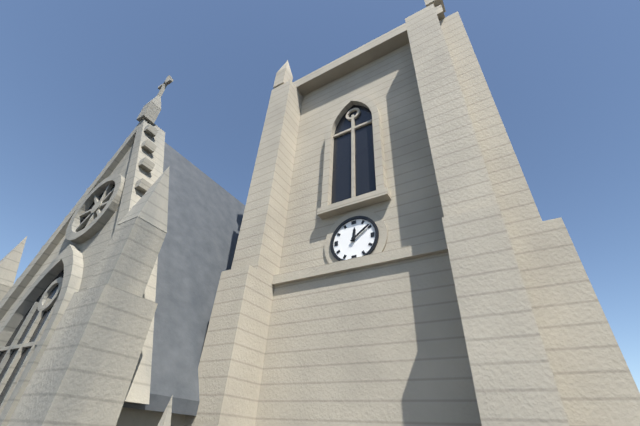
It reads 12,09
